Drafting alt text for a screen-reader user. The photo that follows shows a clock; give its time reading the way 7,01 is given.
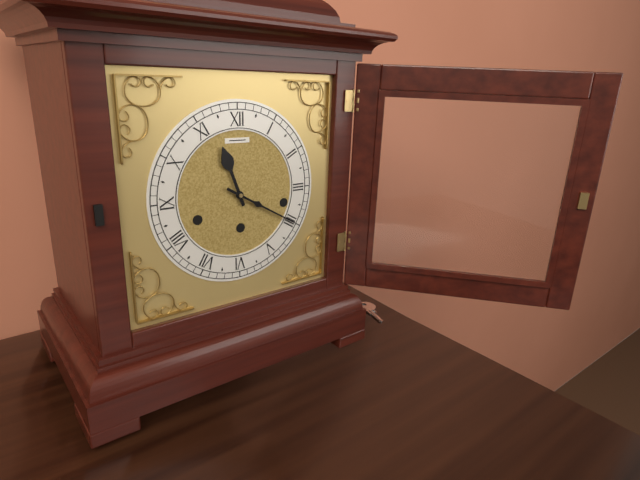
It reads 11,20
